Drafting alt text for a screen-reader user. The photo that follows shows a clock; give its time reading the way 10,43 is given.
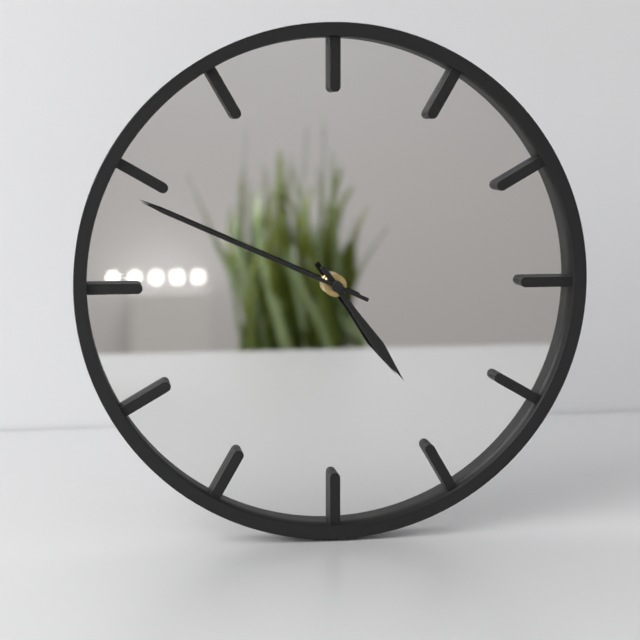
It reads 4,49
